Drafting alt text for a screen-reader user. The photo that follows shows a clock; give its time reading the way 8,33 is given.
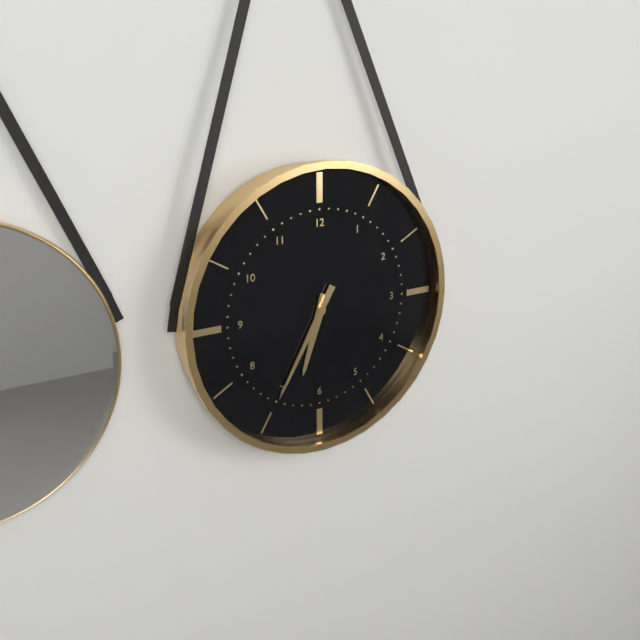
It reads 6,35
